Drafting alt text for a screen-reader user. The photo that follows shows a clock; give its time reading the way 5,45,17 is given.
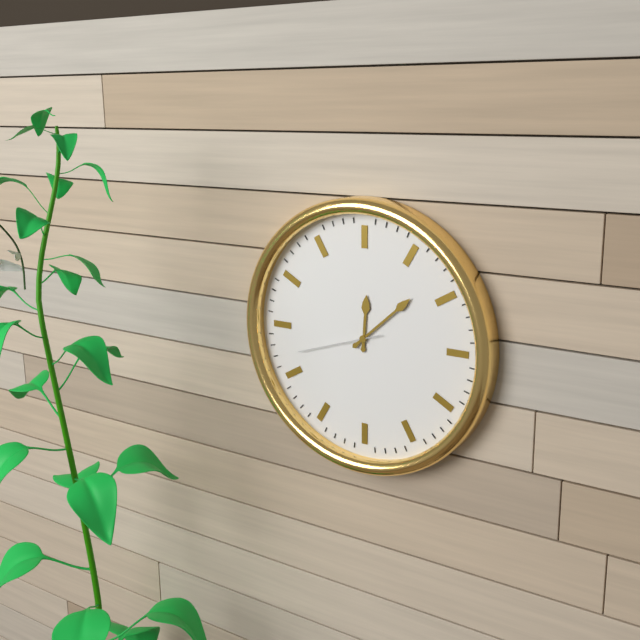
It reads 12,08,42
